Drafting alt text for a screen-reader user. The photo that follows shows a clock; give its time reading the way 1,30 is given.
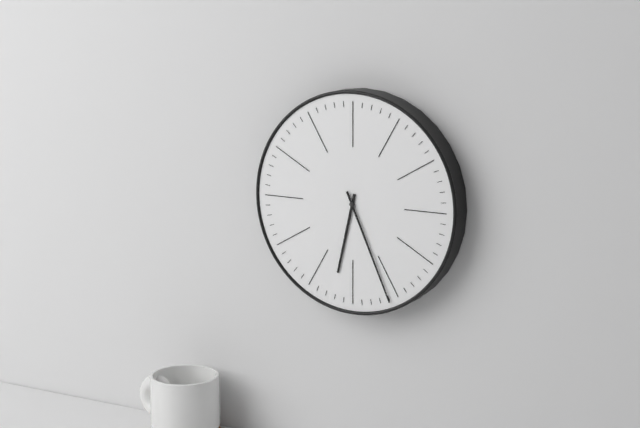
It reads 6,26
